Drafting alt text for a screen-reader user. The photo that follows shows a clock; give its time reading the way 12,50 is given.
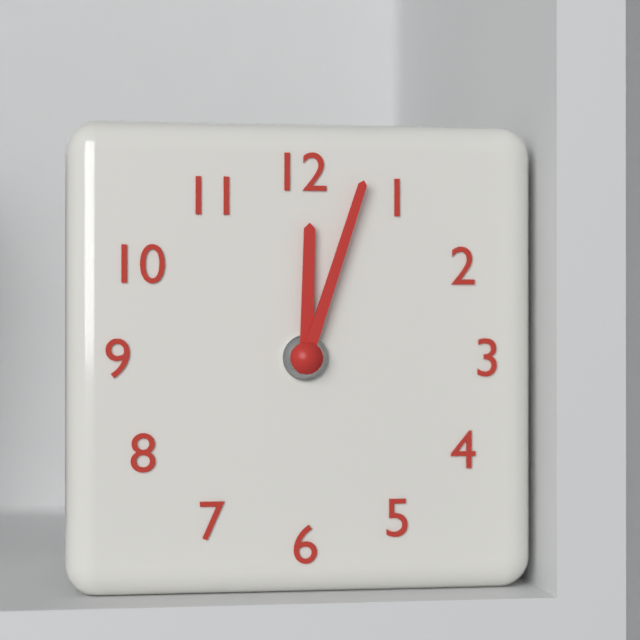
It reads 12,03
